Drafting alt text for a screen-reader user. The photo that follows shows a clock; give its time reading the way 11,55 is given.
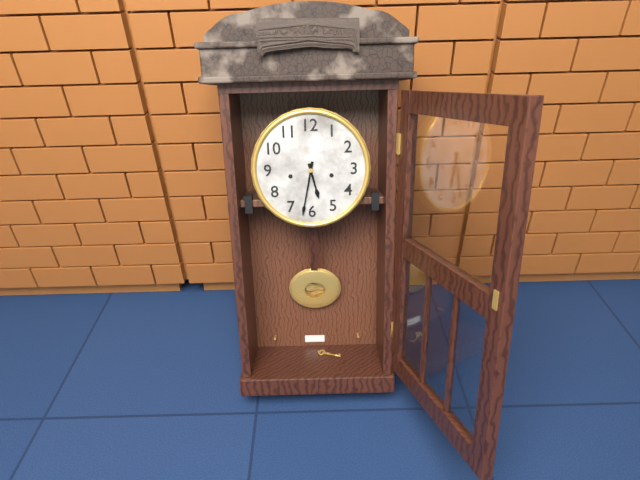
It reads 5,32
